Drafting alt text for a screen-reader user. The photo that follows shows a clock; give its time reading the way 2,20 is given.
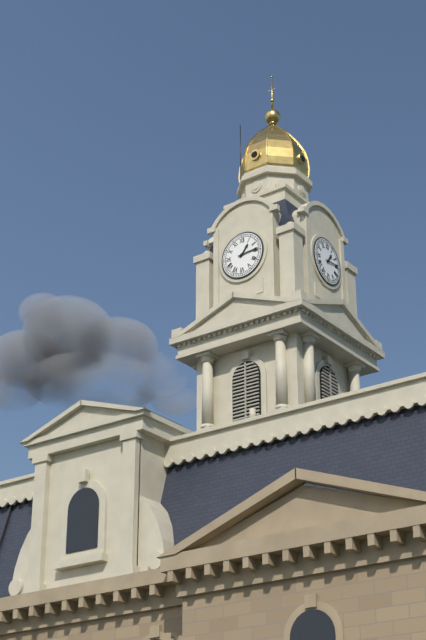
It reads 1,14
